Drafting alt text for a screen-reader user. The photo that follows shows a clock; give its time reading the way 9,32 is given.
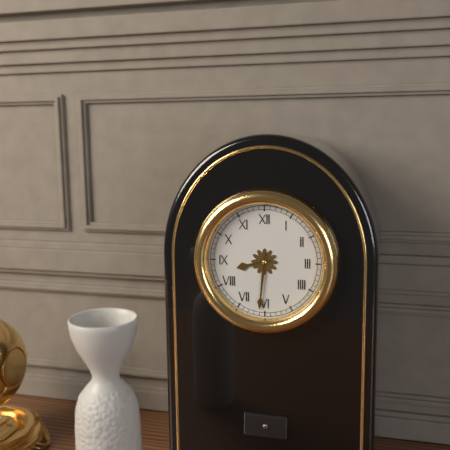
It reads 8,31
